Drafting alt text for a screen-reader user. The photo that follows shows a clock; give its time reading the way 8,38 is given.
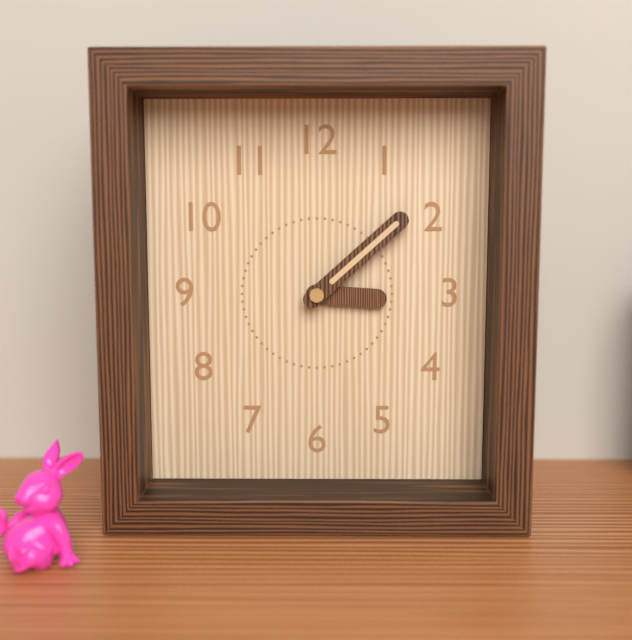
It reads 3,08
